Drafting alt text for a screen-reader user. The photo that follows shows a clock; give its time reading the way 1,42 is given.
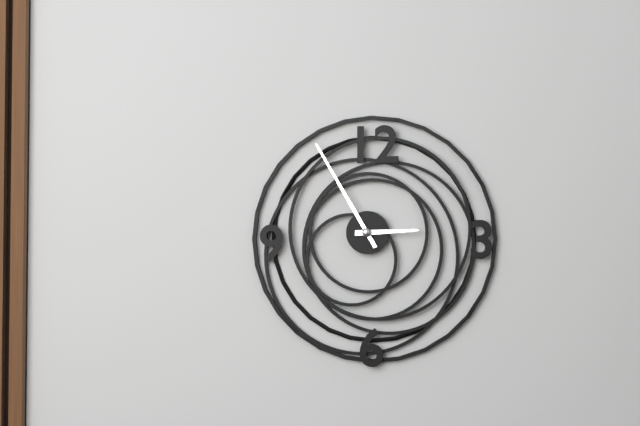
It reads 2,55
